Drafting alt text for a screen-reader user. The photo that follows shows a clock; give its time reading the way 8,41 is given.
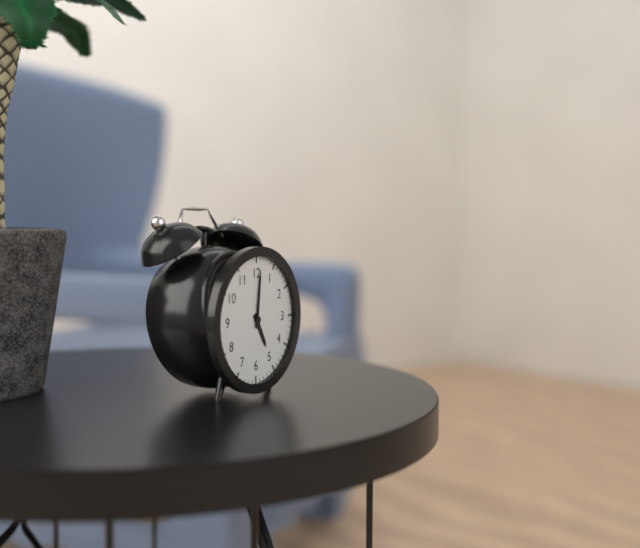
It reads 5,01
